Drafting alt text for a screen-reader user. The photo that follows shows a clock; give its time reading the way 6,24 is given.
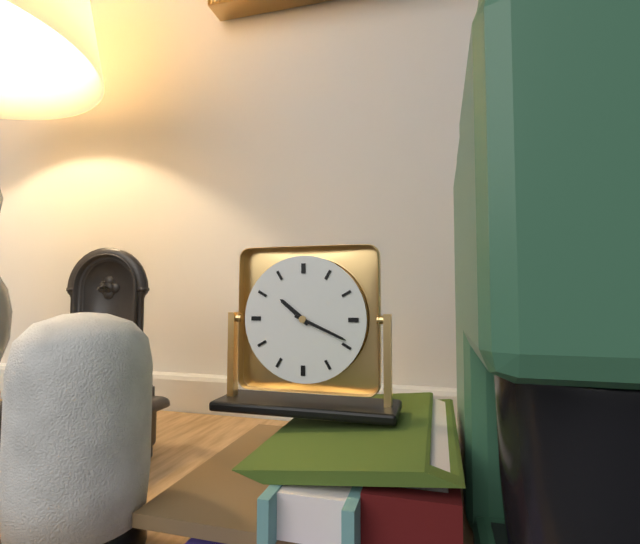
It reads 10,19
